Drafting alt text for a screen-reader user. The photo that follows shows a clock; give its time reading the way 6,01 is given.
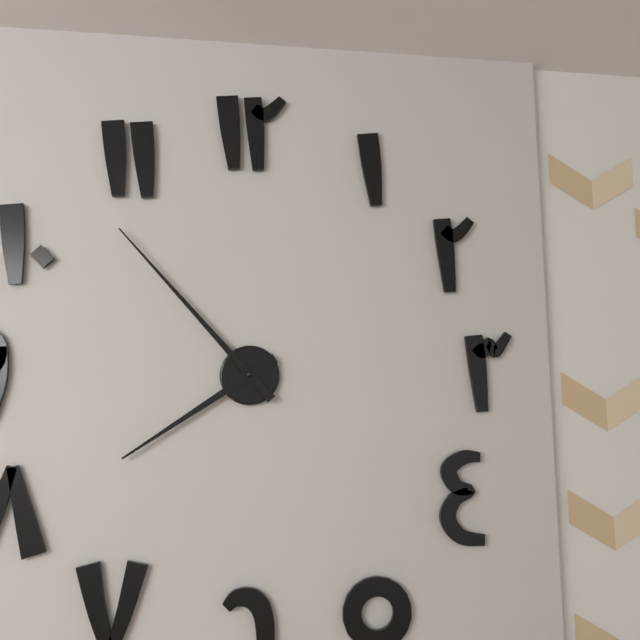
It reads 7,53
